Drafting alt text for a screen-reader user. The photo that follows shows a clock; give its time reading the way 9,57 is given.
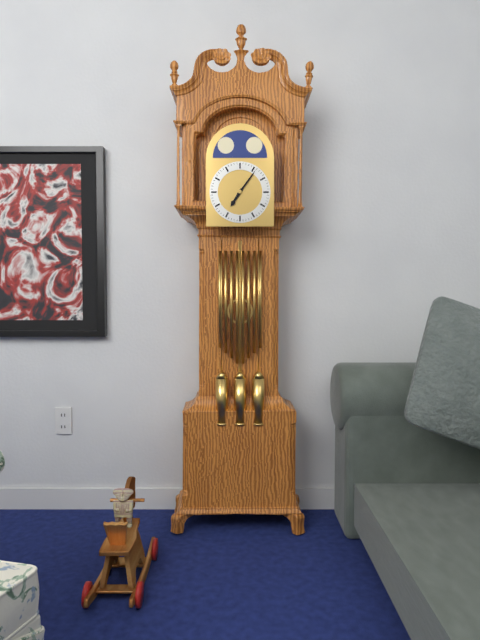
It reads 7,06
